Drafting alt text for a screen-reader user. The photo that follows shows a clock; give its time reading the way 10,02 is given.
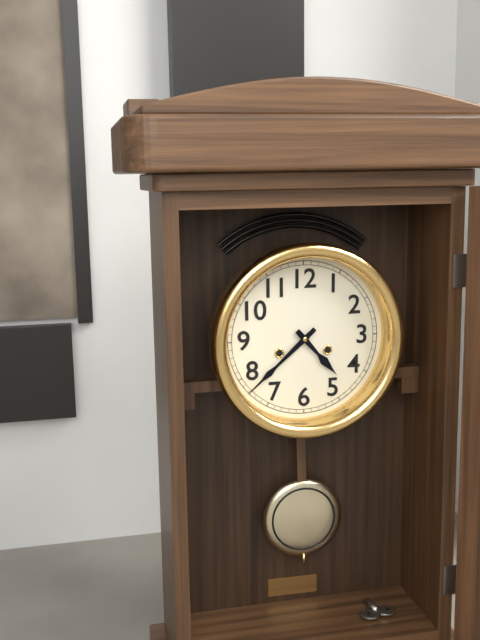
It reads 4,38
